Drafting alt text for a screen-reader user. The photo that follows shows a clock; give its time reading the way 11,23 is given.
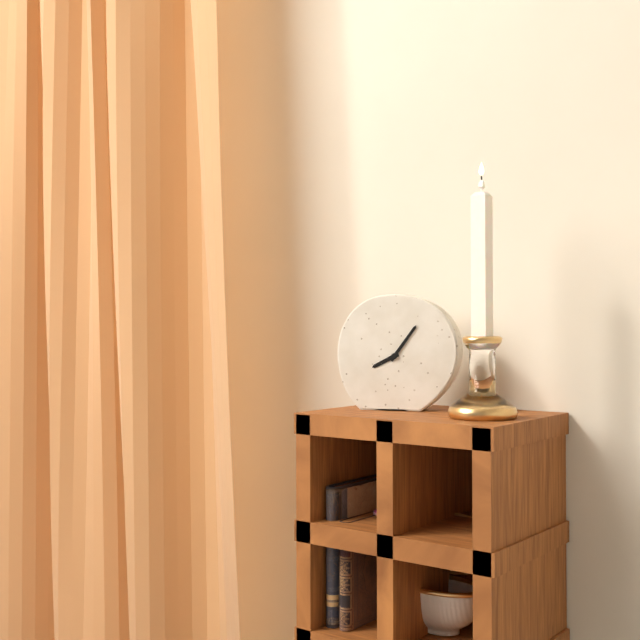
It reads 8,06
